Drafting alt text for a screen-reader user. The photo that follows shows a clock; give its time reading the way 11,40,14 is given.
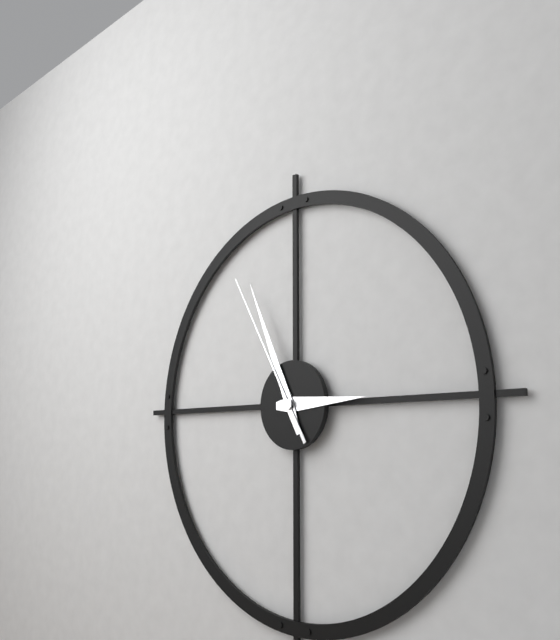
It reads 2,56,55
